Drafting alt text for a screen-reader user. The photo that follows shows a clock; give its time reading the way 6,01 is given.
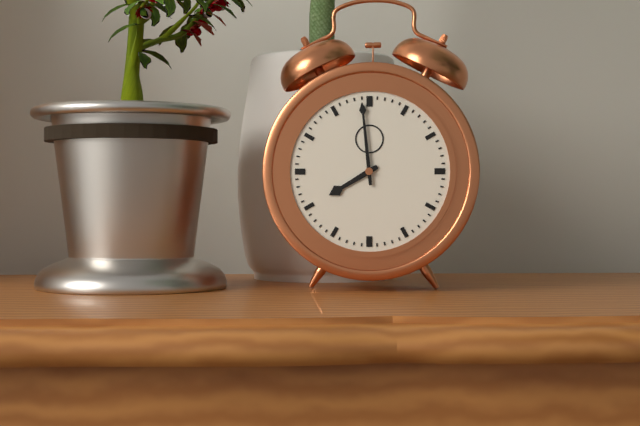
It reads 7,59
